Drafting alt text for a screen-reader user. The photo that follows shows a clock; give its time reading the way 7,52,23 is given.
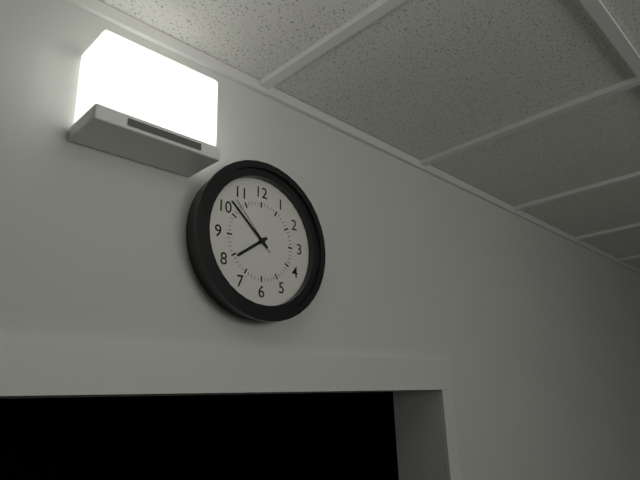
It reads 7,52,53
